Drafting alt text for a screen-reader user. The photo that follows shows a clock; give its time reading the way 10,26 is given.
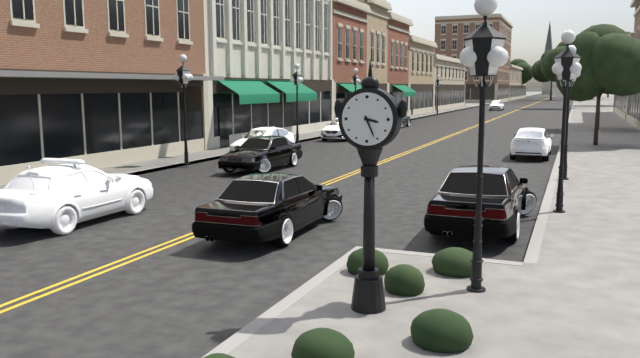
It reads 3,26
